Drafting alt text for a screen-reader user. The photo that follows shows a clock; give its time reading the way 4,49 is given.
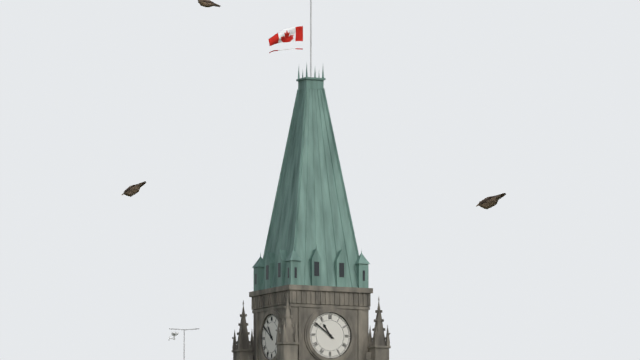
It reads 10,51
